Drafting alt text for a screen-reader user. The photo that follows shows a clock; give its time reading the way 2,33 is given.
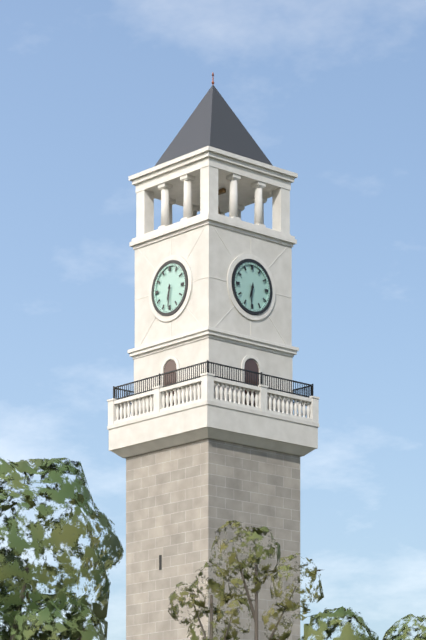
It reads 6,31
